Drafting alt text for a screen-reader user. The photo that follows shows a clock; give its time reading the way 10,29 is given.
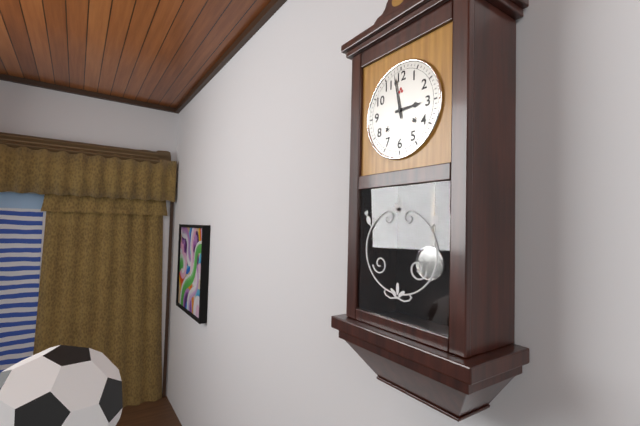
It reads 2,58
